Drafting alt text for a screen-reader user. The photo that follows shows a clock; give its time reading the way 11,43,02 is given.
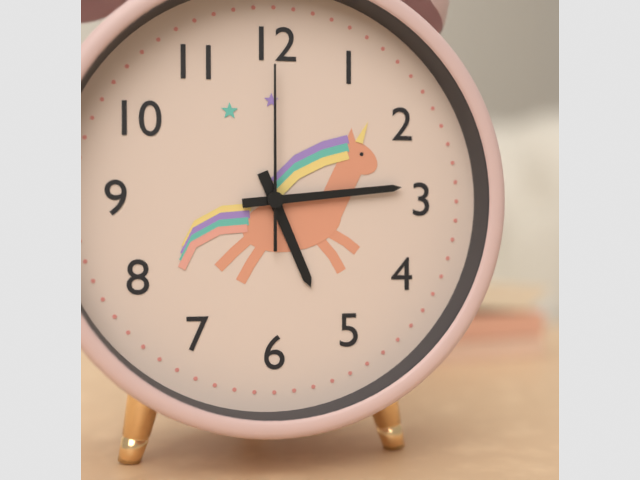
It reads 5,14,00
